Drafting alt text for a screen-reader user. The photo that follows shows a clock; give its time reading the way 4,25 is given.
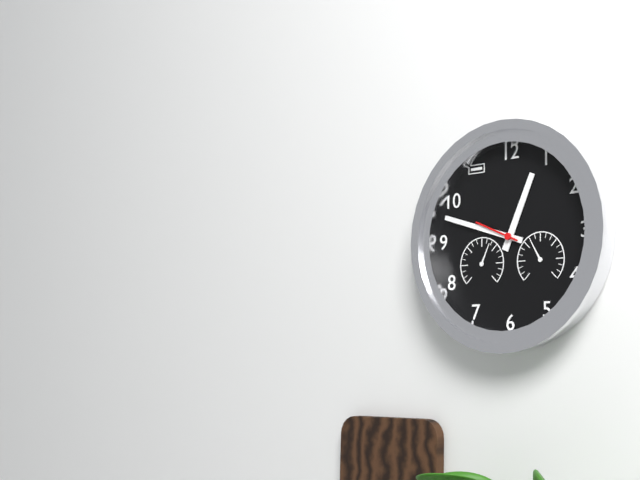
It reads 12,48
